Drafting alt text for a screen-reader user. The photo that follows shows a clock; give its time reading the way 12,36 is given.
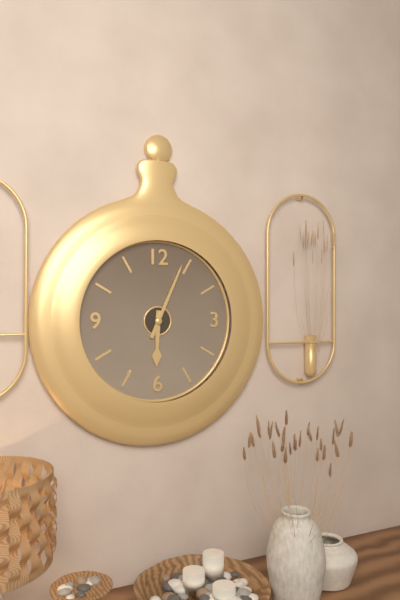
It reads 6,04
